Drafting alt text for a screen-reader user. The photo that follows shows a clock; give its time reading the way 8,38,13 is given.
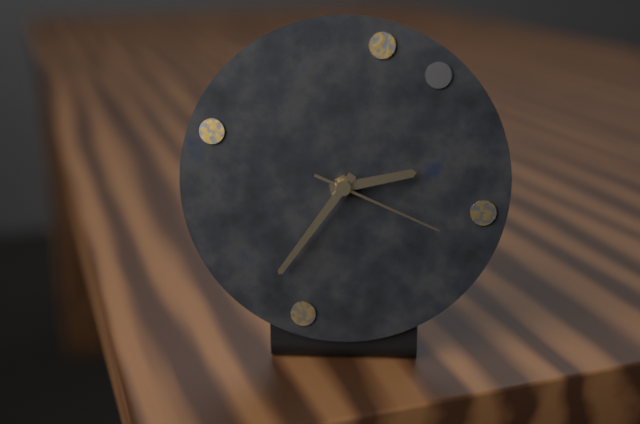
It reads 2,36,19
